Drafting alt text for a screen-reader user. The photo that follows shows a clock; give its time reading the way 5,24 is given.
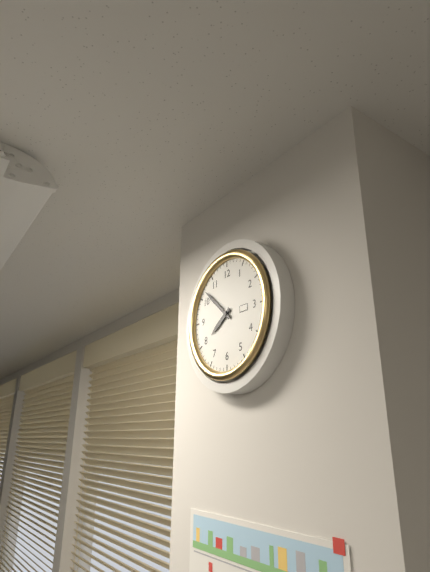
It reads 7,52
